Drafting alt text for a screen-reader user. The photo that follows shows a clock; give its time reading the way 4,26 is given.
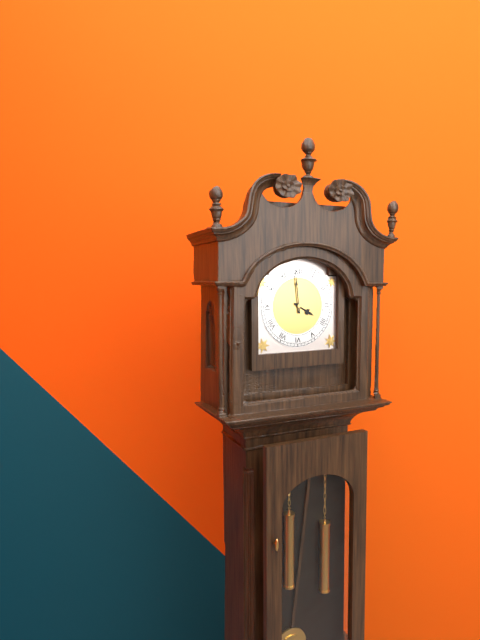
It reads 3,59
